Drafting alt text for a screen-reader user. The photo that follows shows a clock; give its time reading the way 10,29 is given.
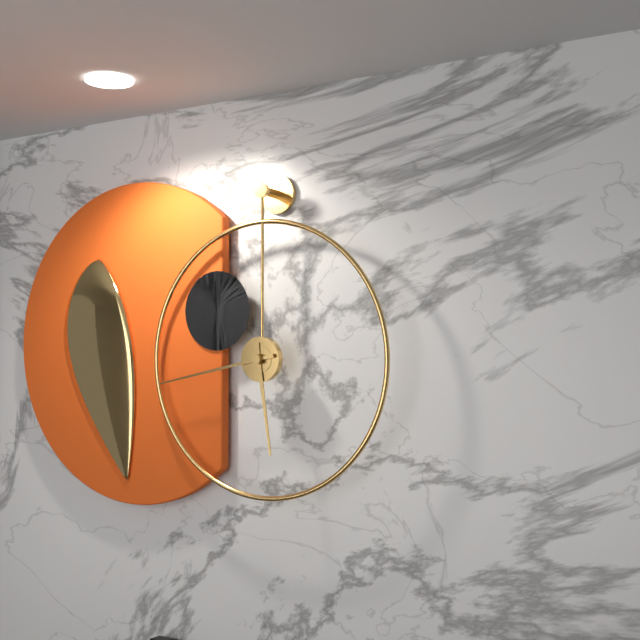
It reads 5,43
